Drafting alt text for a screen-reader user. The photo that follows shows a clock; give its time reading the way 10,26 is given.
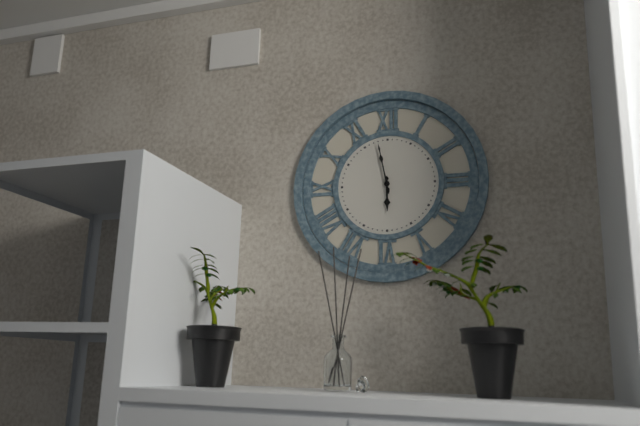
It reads 5,58
